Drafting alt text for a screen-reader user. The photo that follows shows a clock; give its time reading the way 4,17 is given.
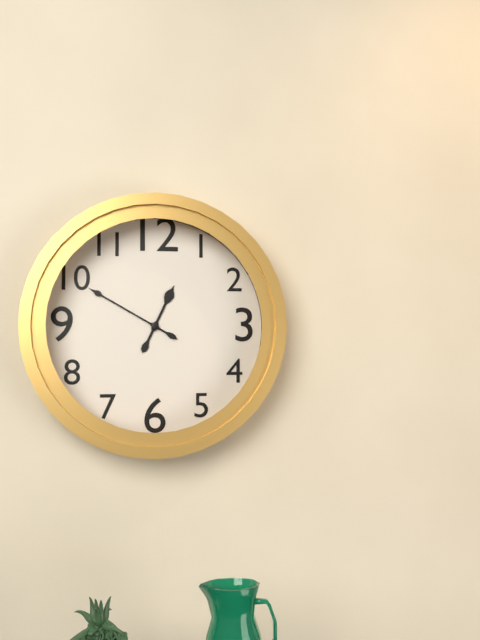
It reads 12,50
